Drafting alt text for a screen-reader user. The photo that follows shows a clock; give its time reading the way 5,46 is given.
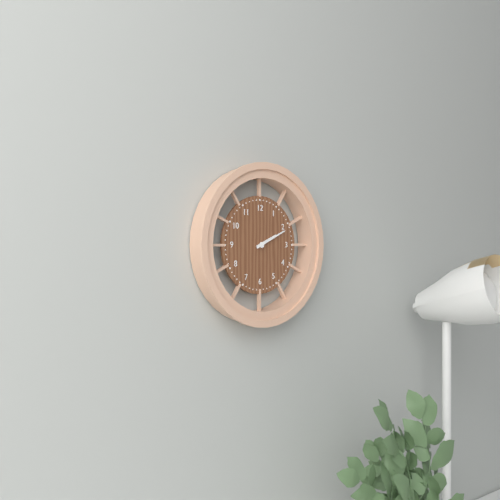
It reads 2,11
